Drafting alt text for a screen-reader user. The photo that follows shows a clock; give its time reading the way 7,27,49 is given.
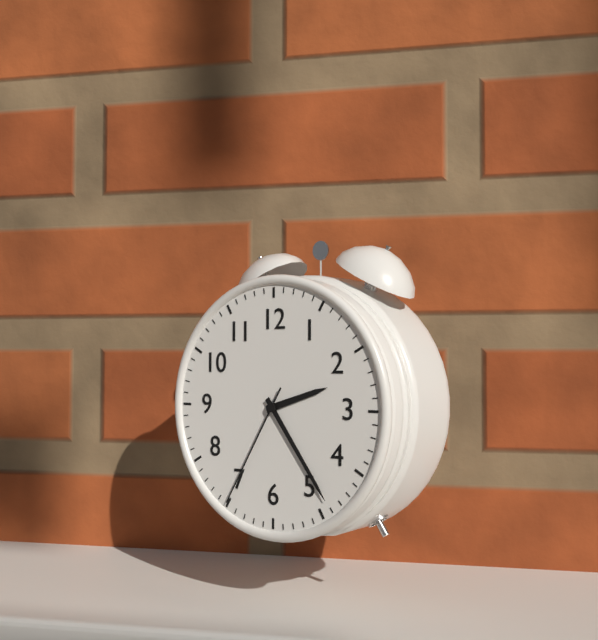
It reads 2,24,35
